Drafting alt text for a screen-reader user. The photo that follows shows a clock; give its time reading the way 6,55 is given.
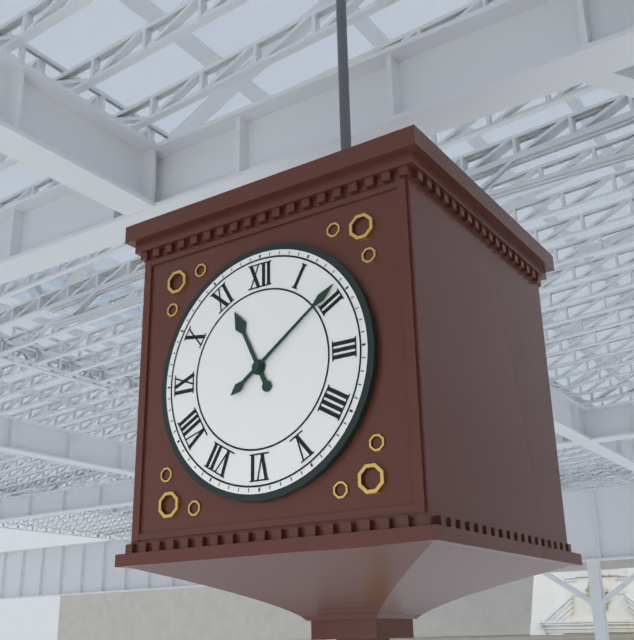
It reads 11,09
